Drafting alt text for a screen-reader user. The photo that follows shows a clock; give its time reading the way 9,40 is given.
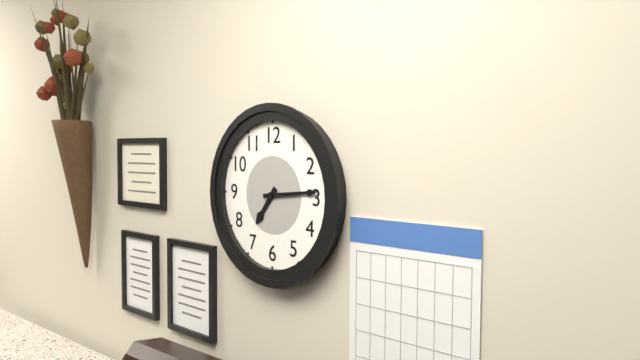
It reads 7,14
